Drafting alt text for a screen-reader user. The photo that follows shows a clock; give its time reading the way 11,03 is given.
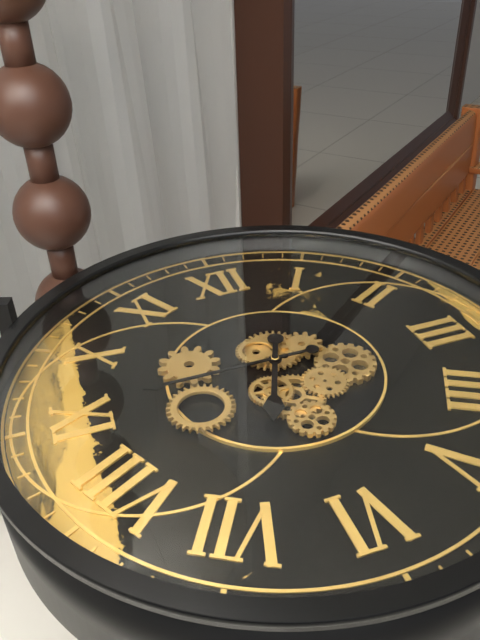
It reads 6,45
